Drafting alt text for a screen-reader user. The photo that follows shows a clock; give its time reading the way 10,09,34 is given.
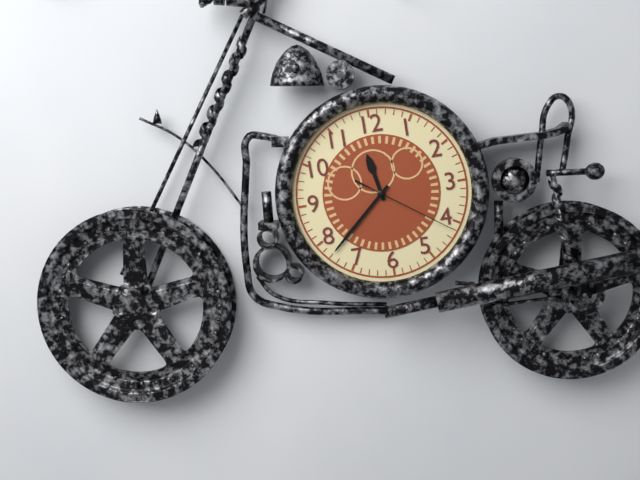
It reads 11,38,21
